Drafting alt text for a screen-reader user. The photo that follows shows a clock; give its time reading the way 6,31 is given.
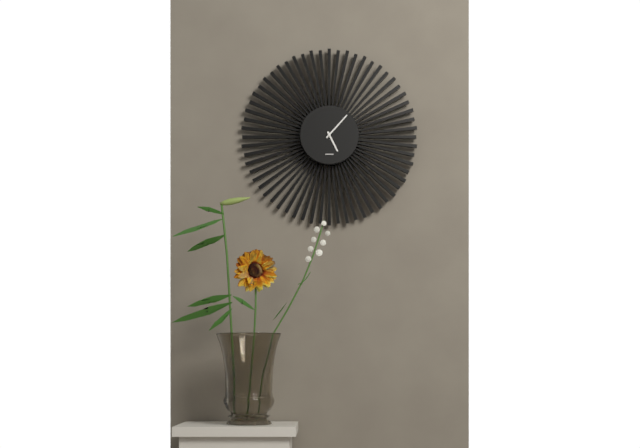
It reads 5,07
